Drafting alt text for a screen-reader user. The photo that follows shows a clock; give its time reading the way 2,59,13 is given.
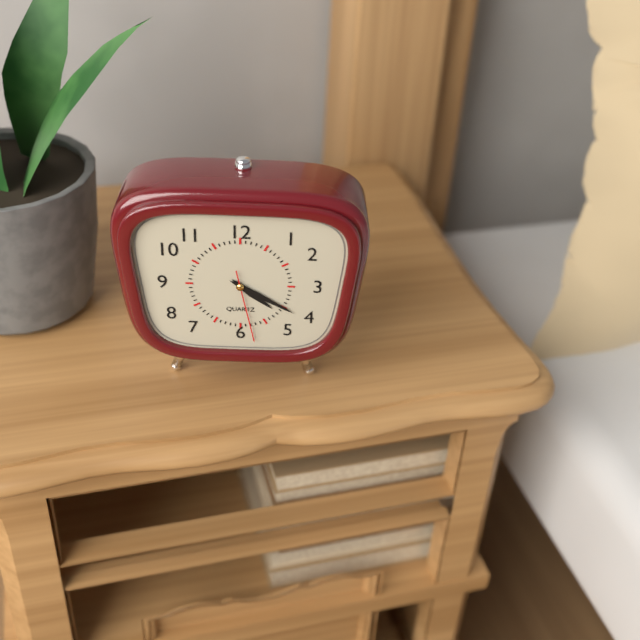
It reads 4,20,28
